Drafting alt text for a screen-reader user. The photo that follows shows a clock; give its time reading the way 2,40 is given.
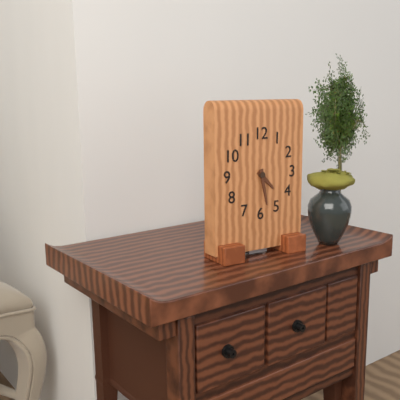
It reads 4,28
